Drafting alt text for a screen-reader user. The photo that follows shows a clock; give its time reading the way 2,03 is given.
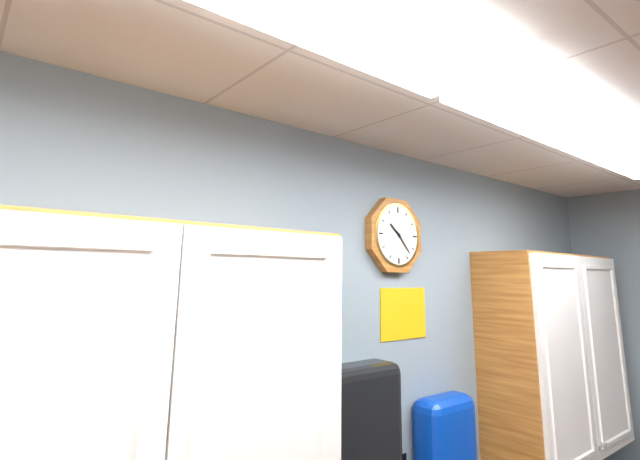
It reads 10,23
